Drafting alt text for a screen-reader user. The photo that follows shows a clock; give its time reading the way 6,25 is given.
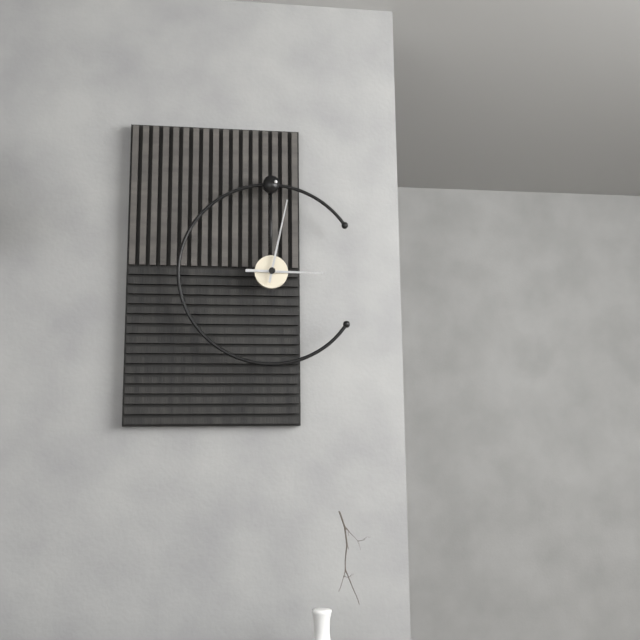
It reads 3,02
